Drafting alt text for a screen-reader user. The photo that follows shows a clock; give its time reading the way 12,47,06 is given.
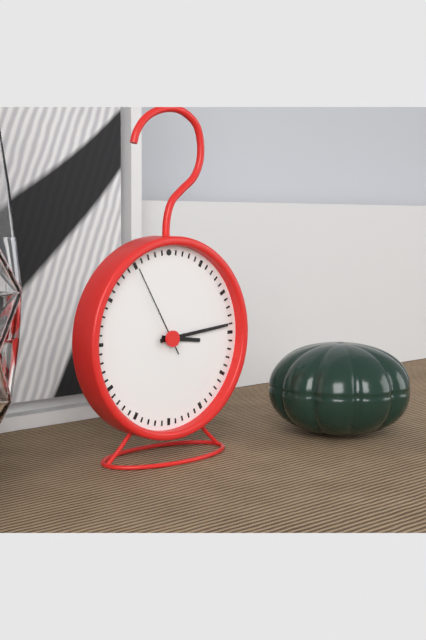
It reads 3,14,55
